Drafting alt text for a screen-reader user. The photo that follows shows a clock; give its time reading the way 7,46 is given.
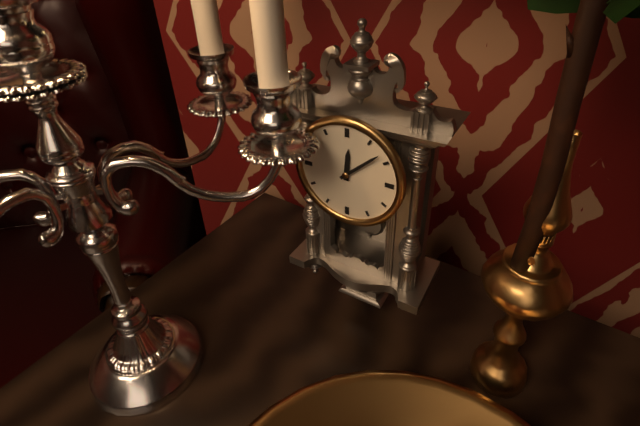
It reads 12,08
